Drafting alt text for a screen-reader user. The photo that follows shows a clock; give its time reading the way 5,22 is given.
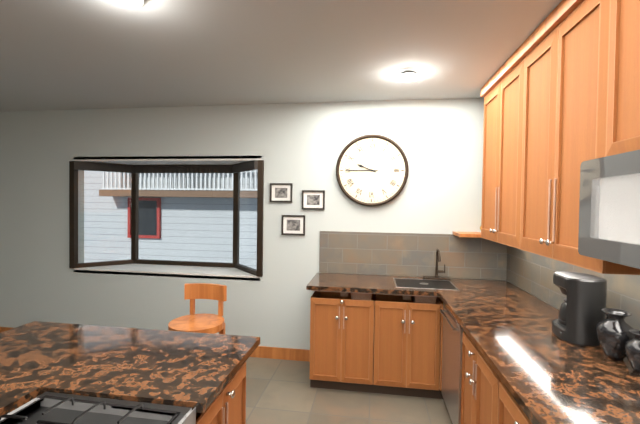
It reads 9,45
